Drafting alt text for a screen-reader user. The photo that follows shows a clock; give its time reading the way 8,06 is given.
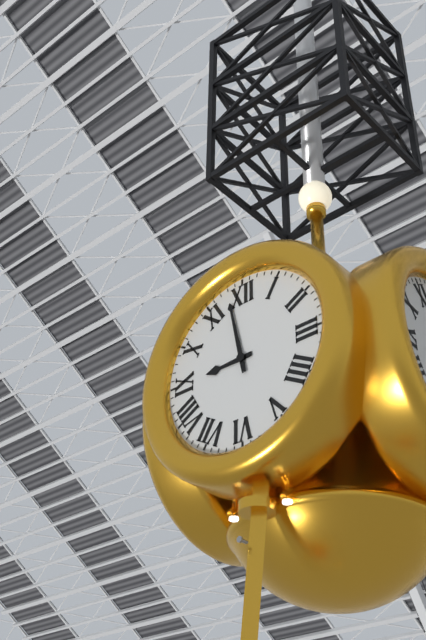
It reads 8,58
